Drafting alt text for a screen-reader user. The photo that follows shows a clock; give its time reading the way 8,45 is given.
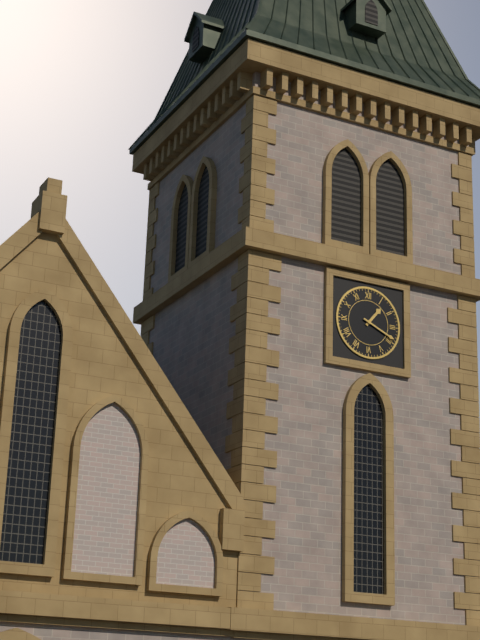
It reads 1,19
